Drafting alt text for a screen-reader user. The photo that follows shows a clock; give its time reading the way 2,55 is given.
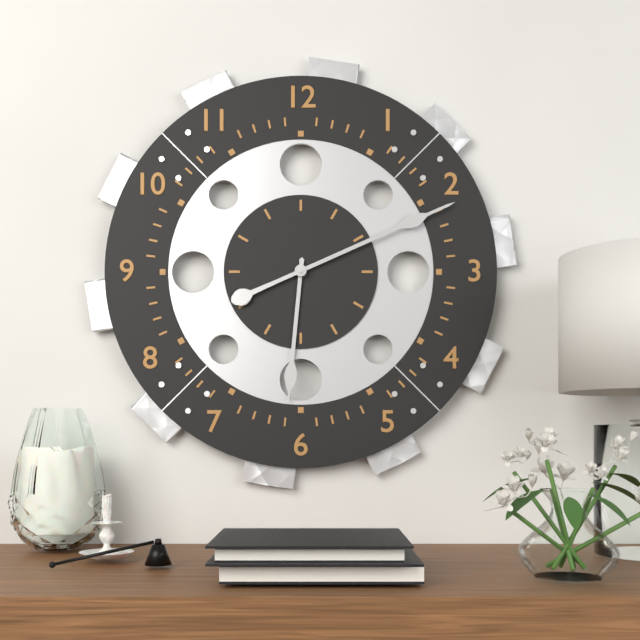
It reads 6,11
